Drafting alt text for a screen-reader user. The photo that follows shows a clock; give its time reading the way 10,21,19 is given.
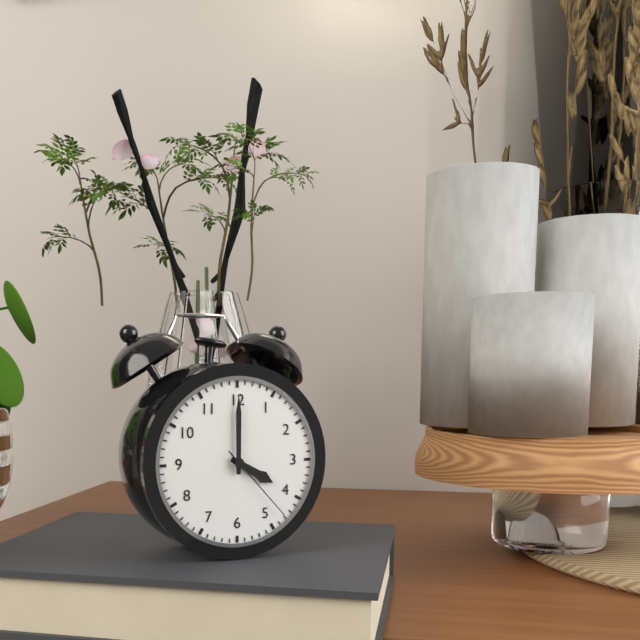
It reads 4,00,23
